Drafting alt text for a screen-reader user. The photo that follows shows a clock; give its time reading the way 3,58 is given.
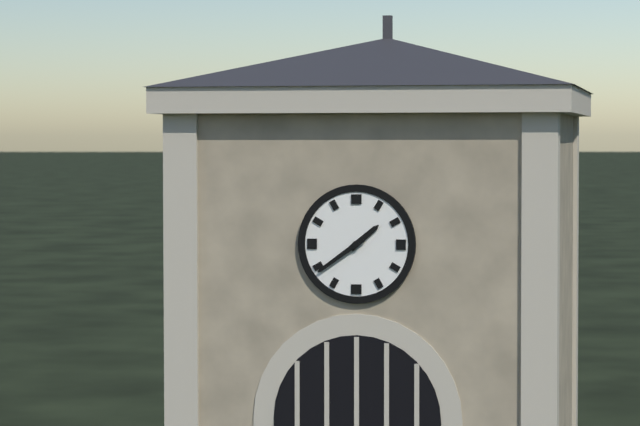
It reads 1,39
